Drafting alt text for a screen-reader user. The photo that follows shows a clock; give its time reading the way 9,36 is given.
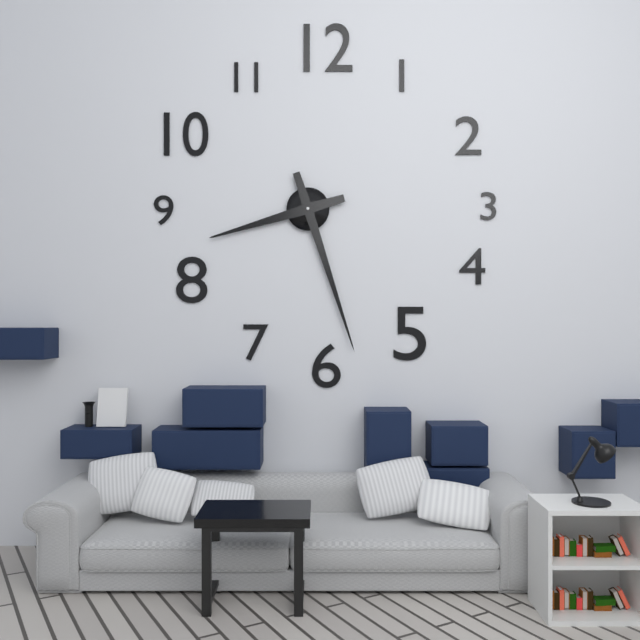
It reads 8,27
